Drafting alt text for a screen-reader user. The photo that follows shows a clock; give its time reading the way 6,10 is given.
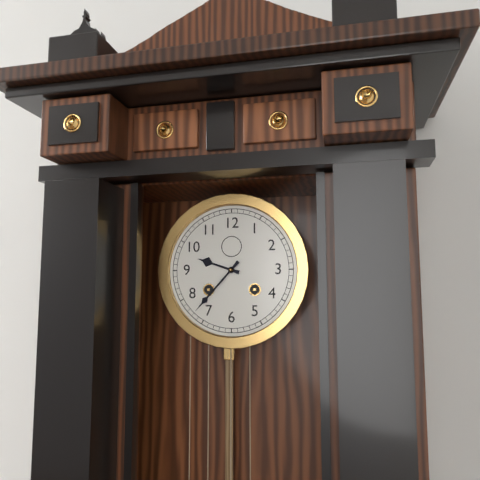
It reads 9,37
